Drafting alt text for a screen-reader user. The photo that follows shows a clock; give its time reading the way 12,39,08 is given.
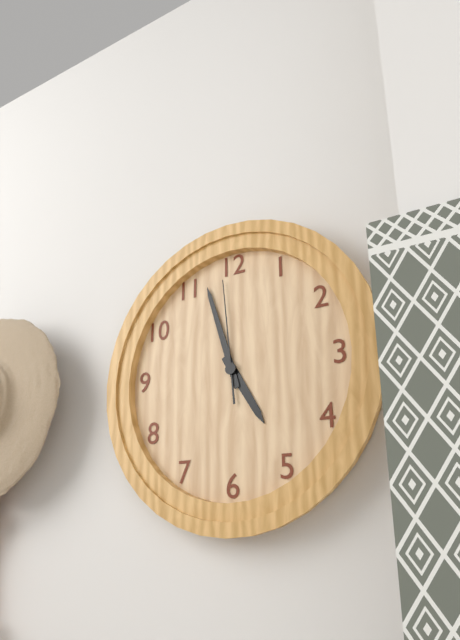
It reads 4,57,59
